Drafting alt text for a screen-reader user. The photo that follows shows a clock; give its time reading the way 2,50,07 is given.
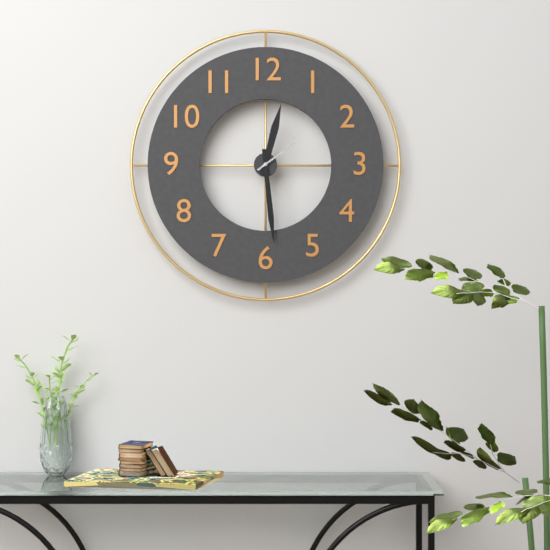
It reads 12,29,09
